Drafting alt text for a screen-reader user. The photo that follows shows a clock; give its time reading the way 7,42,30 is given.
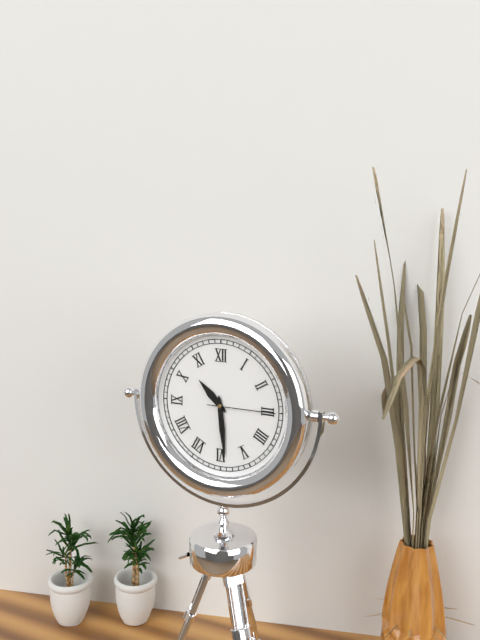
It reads 10,29,15
